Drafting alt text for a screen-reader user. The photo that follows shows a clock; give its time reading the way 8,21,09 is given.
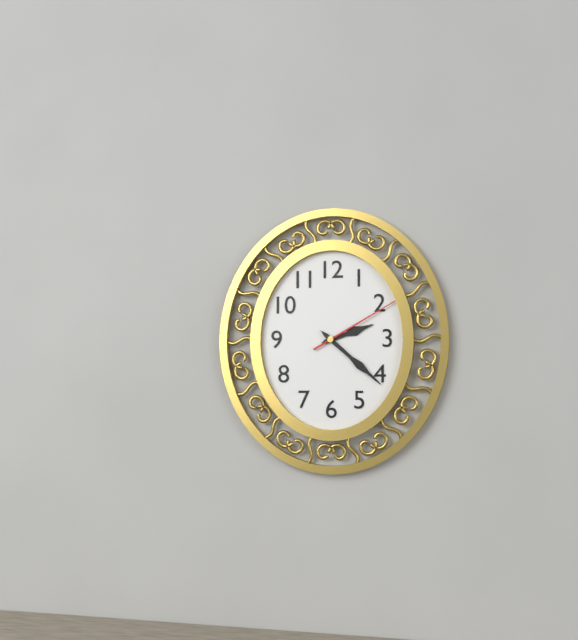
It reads 2,22,10
